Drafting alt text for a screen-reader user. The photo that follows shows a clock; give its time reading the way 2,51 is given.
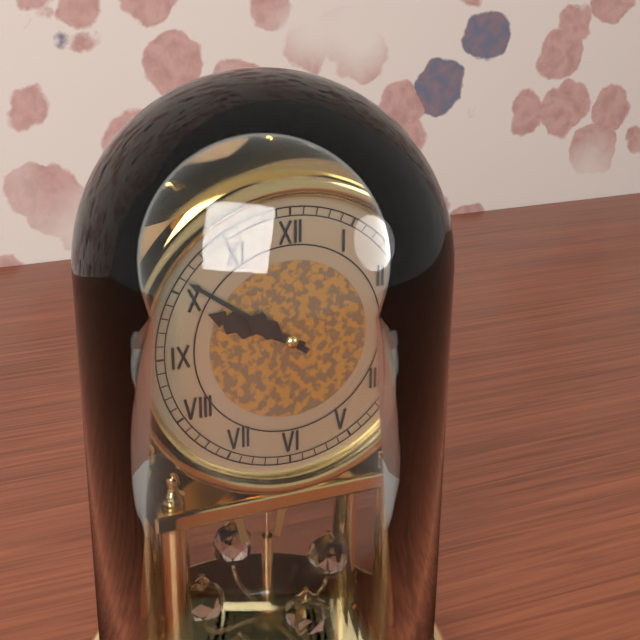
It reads 9,51
